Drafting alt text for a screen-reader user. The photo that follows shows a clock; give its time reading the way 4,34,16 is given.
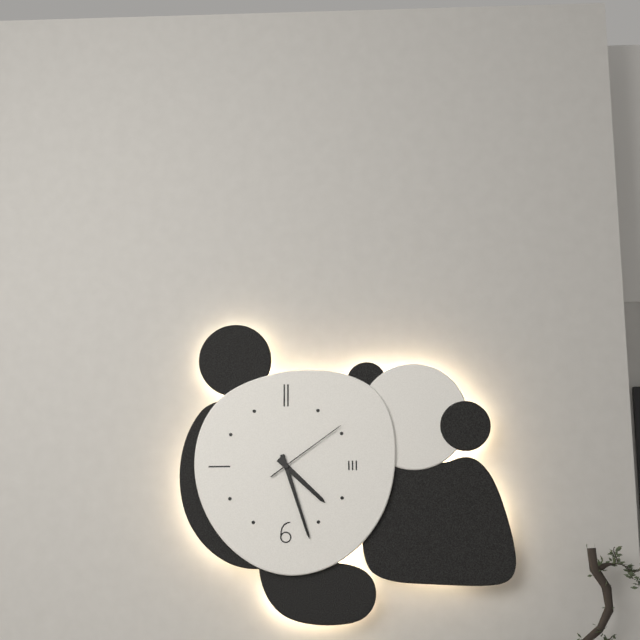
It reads 4,27,09
